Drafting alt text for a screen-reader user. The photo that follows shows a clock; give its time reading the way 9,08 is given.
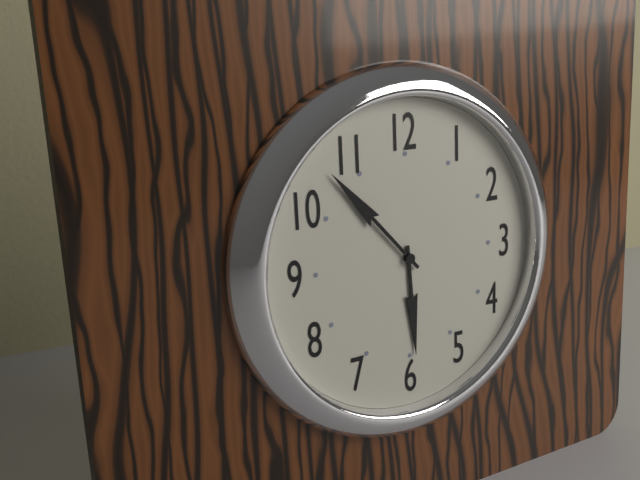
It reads 5,53
